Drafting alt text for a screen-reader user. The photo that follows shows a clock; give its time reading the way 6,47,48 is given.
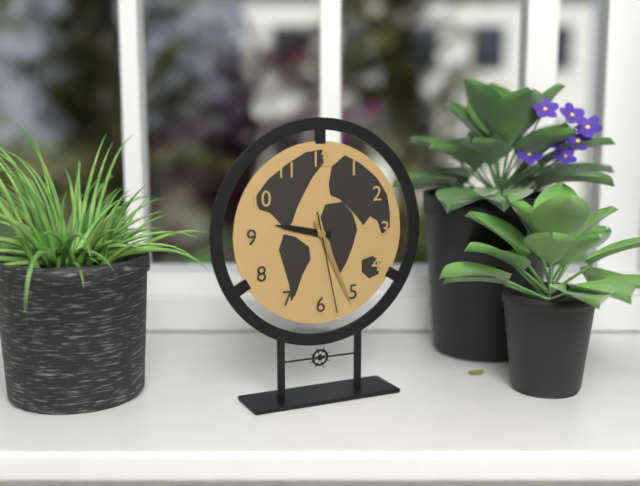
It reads 9,26,28
